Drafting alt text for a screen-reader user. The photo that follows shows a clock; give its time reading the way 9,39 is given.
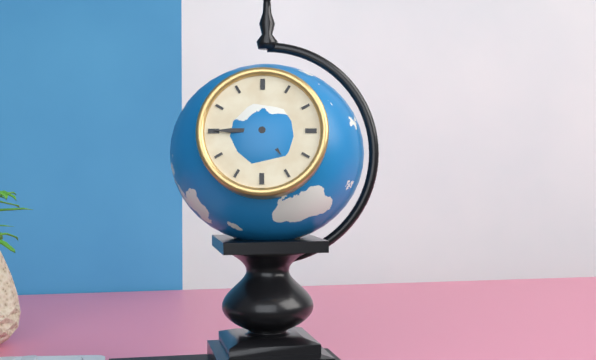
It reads 4,45
